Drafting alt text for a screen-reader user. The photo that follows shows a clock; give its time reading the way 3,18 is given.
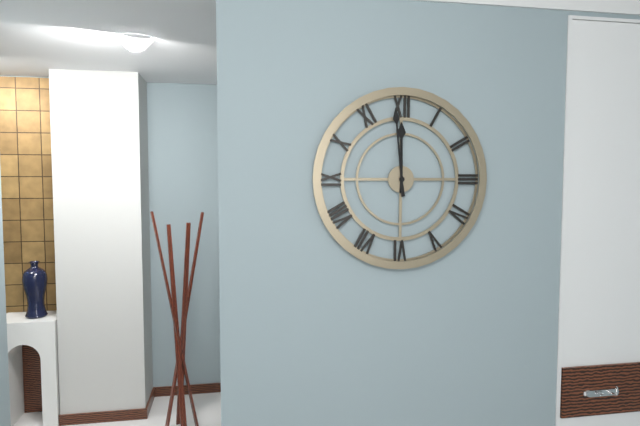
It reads 11,59
